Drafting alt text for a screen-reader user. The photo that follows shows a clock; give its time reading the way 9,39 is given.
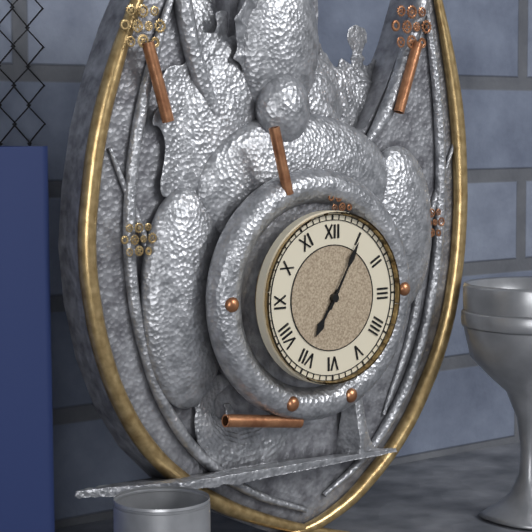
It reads 7,05
